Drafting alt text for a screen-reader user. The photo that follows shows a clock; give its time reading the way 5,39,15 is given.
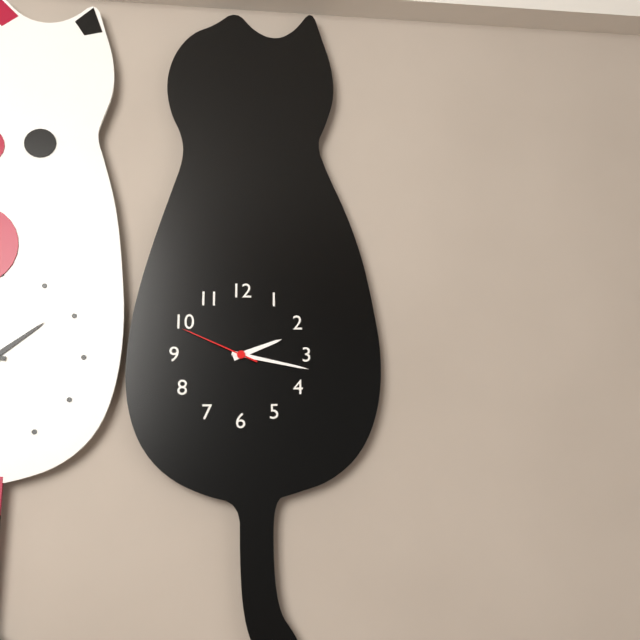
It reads 2,17,49
